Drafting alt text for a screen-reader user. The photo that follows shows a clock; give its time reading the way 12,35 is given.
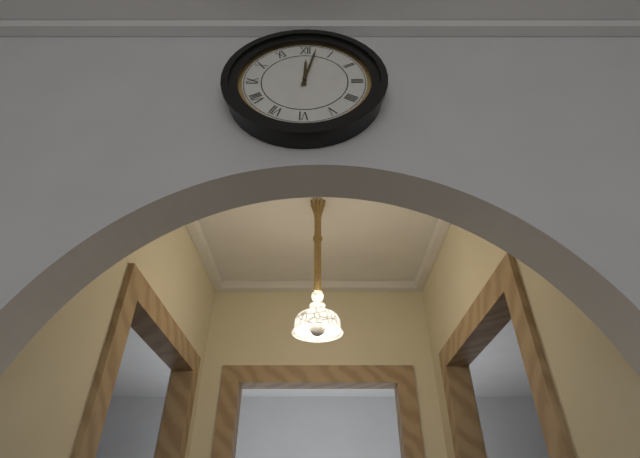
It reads 12,02
